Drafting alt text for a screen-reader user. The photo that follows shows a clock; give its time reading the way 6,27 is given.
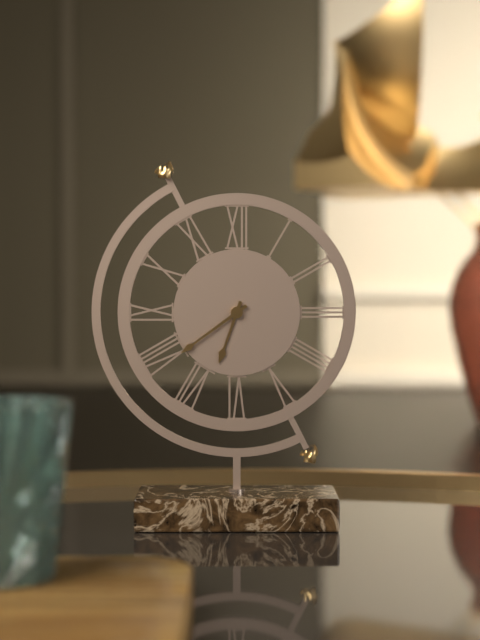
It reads 6,39
